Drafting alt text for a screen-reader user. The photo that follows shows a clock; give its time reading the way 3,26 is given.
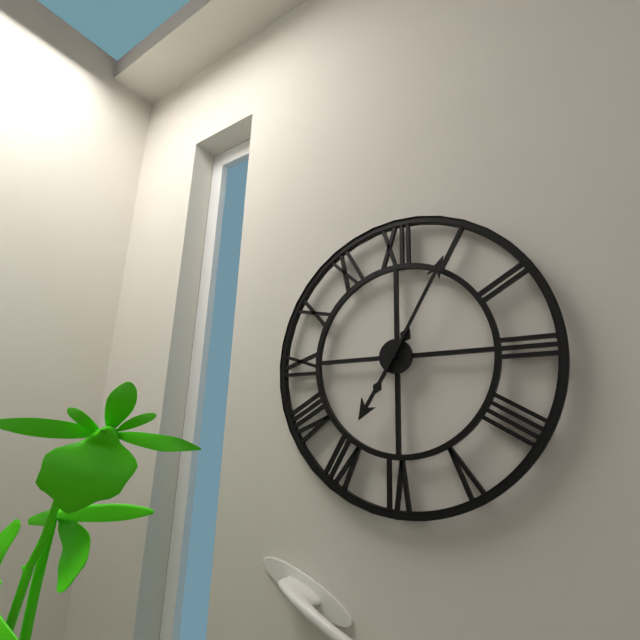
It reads 7,05
